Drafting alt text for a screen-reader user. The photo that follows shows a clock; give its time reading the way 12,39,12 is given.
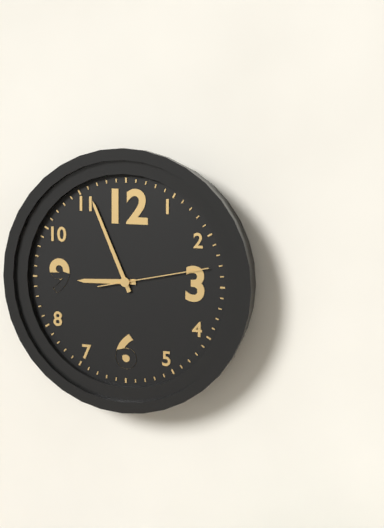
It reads 8,56,13
